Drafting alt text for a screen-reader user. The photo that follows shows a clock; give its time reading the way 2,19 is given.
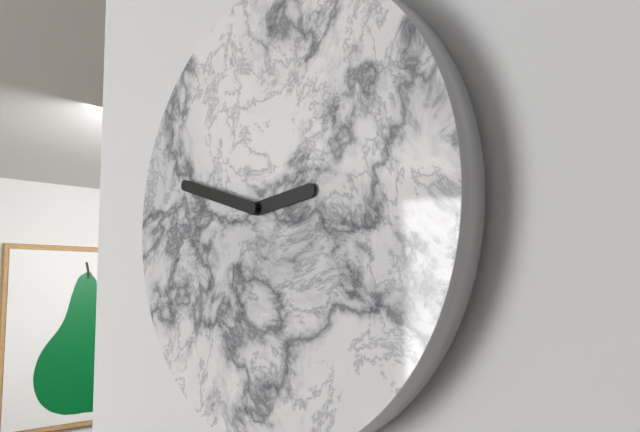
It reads 2,48
